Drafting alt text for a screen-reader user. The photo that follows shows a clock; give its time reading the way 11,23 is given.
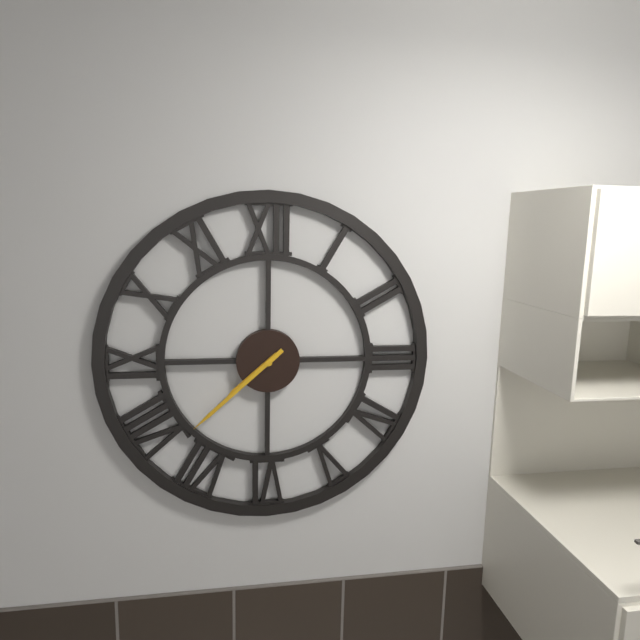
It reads 7,38
